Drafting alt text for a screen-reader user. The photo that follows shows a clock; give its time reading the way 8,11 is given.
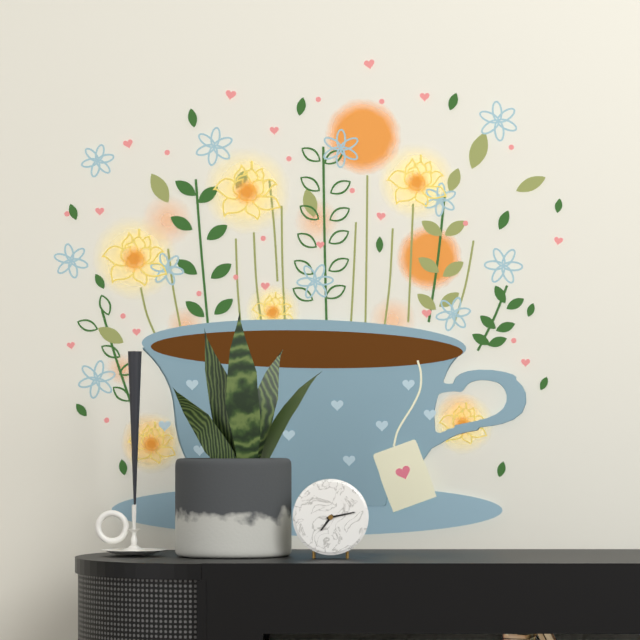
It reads 7,13
